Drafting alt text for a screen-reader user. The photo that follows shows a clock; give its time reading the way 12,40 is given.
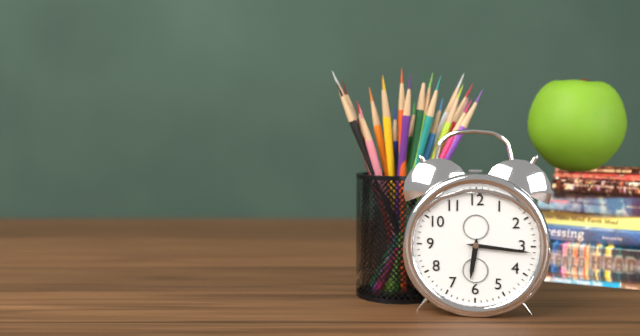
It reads 6,16
